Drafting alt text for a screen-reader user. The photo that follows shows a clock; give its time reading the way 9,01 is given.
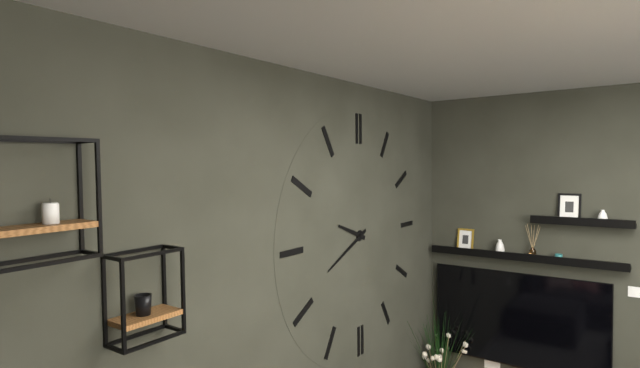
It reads 9,41
